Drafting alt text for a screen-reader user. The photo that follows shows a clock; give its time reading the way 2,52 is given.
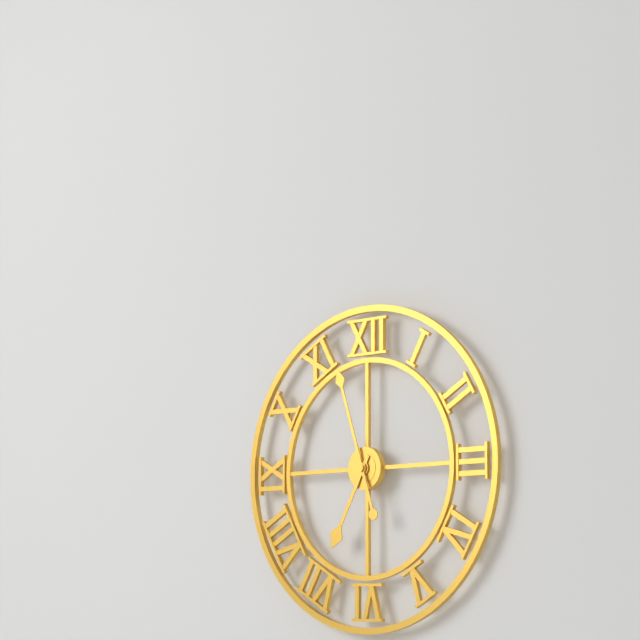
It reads 6,57
